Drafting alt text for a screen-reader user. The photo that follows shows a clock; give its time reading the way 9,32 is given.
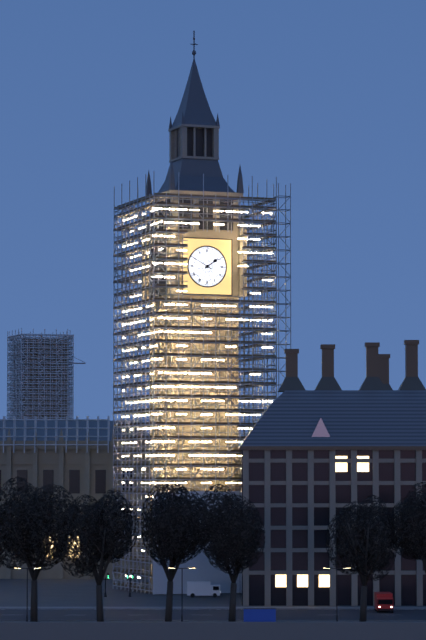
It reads 1,50
